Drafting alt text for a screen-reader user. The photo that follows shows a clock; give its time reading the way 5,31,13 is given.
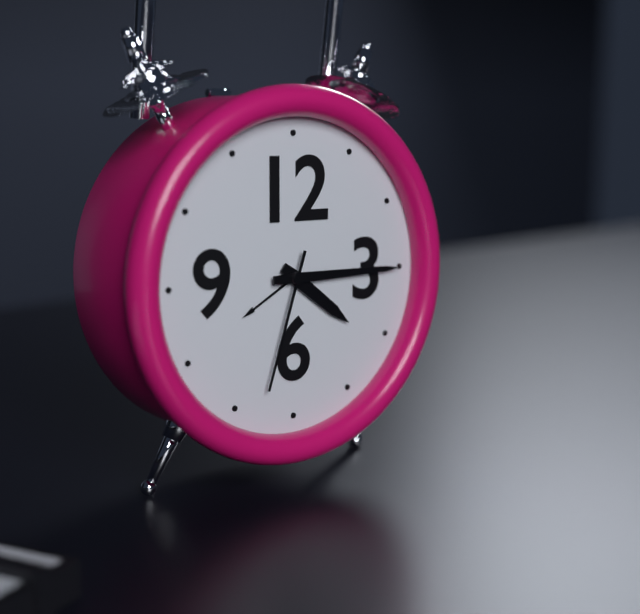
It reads 4,15,33
